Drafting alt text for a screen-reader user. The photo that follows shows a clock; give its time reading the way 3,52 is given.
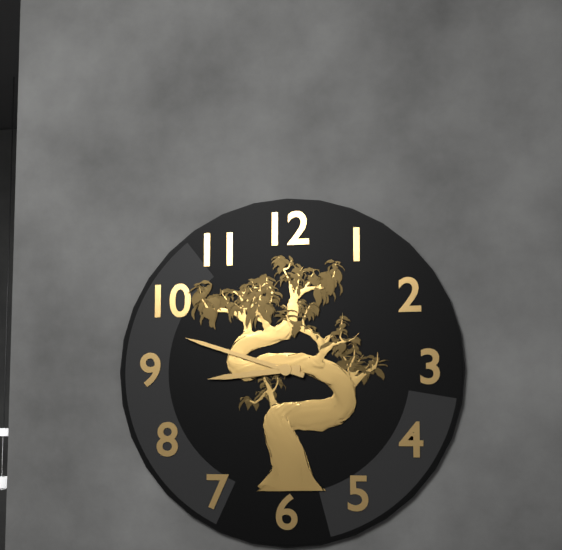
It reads 8,48
